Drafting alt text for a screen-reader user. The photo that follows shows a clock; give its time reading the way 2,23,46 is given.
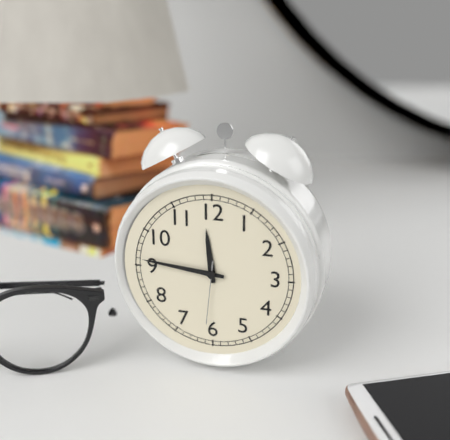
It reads 11,46,31
